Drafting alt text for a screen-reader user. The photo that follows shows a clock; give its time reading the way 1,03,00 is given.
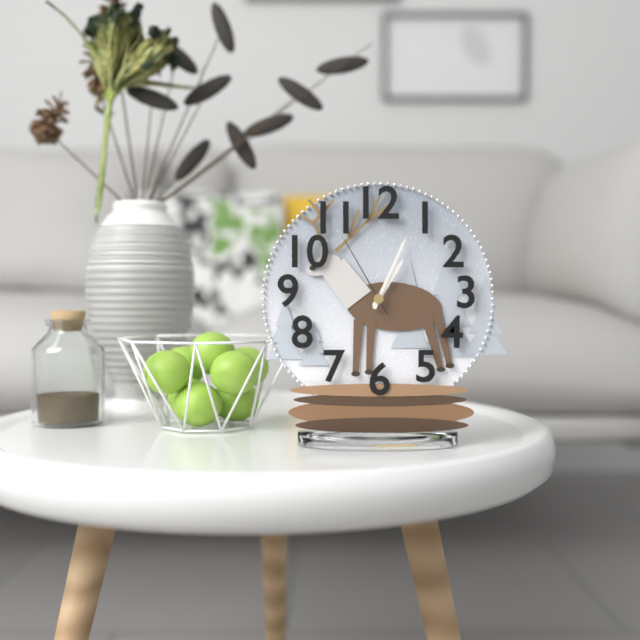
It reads 1,04,55
